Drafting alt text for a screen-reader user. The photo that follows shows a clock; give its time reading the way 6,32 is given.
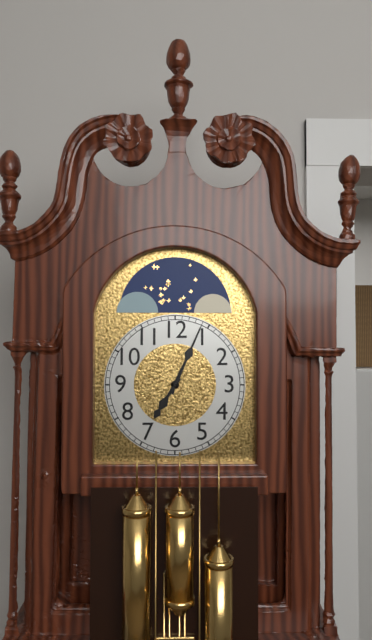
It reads 7,04
